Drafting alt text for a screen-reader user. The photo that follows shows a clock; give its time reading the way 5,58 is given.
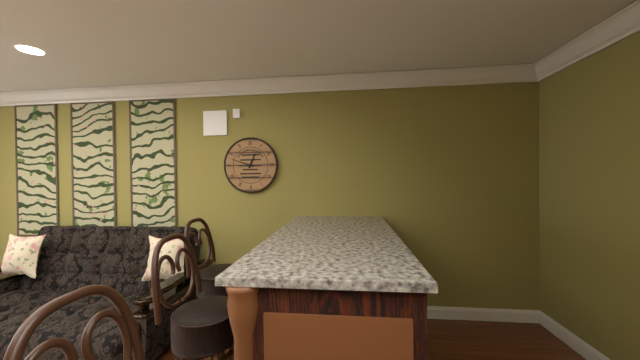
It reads 12,48
